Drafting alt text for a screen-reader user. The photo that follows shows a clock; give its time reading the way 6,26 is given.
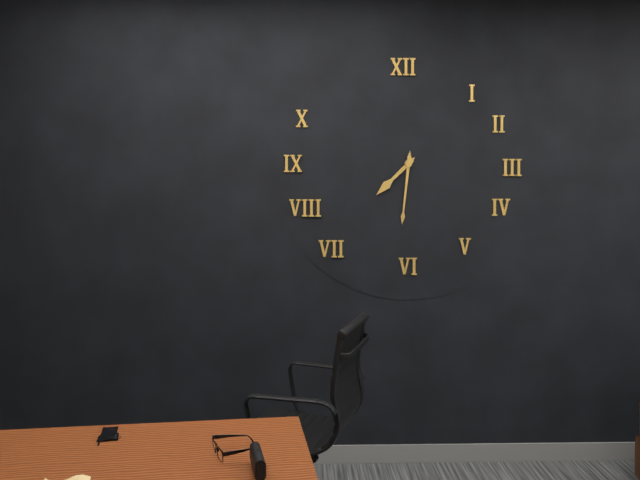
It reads 7,31
